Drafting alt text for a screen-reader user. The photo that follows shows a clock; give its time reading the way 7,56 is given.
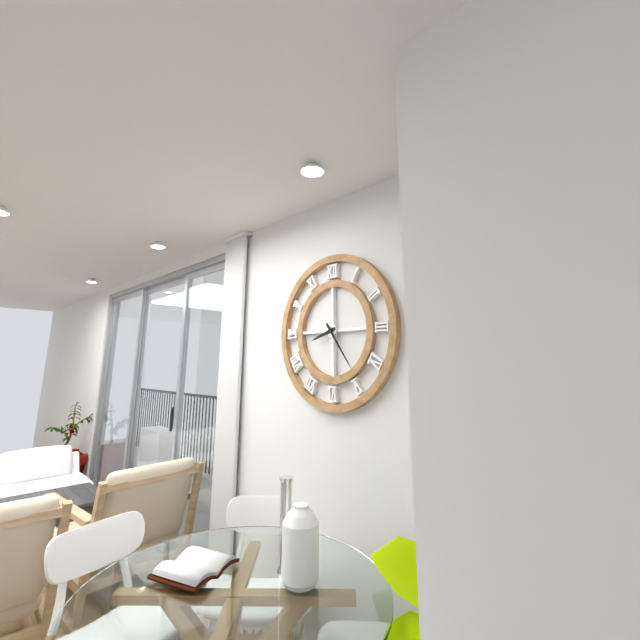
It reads 8,24
